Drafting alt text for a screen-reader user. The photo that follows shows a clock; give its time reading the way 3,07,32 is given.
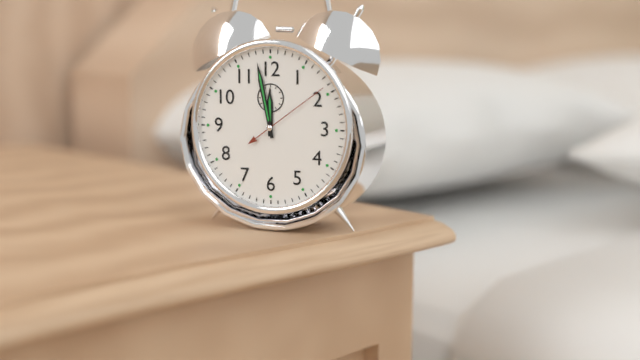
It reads 11,58,09
